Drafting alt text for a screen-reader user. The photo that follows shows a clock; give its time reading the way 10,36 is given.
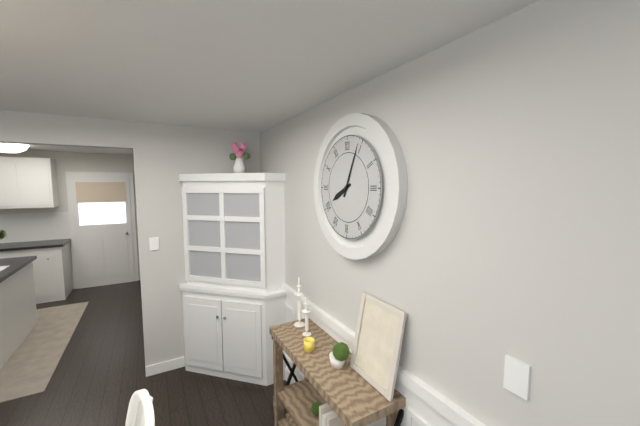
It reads 8,04
